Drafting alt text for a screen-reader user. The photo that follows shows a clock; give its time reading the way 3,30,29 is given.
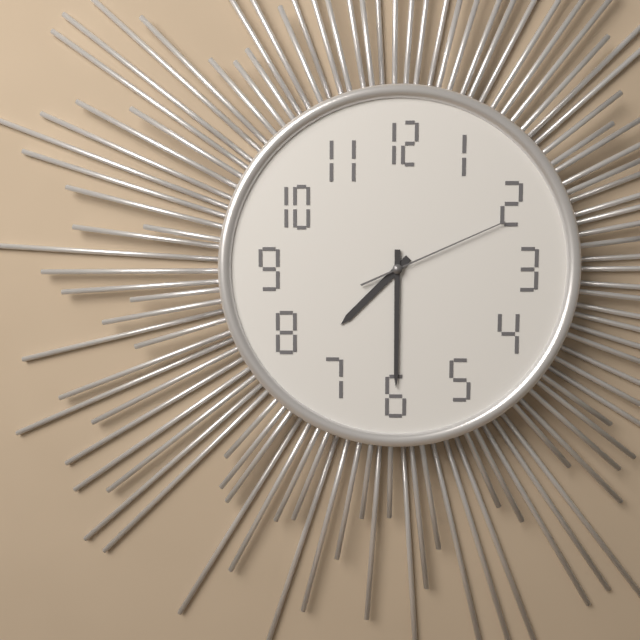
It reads 7,30,11
